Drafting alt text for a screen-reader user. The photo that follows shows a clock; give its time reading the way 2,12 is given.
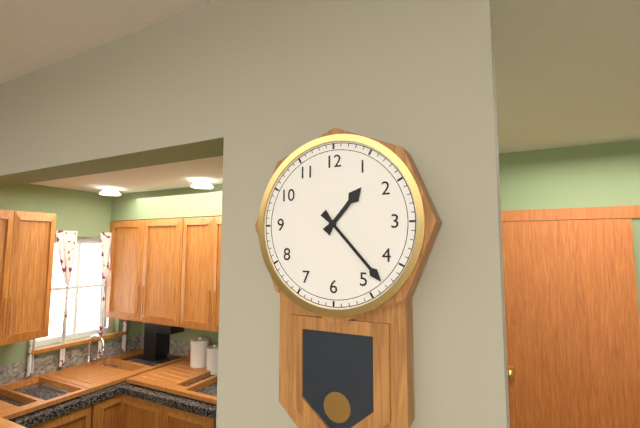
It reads 1,23
